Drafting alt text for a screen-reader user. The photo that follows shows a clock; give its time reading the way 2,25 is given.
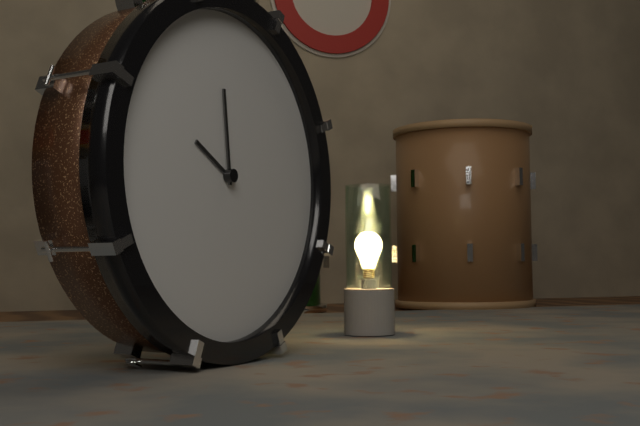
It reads 9,59
